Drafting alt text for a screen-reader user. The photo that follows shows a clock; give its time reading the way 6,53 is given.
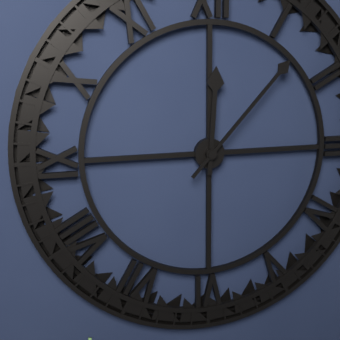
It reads 12,07
